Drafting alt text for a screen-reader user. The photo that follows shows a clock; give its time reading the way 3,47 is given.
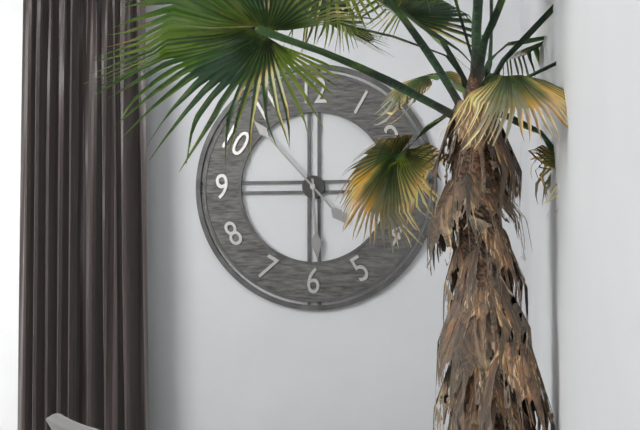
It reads 5,53
